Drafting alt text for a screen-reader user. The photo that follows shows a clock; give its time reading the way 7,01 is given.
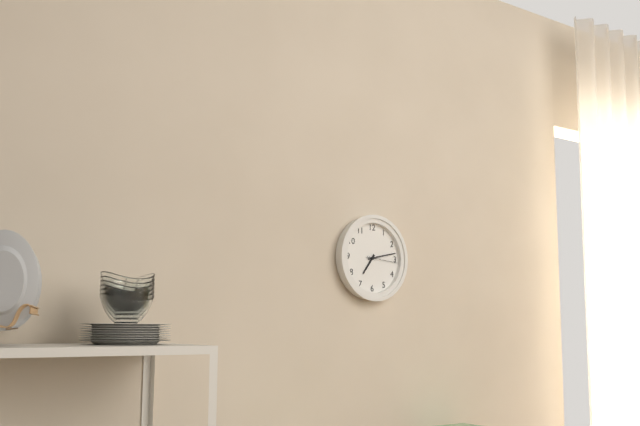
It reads 7,13
